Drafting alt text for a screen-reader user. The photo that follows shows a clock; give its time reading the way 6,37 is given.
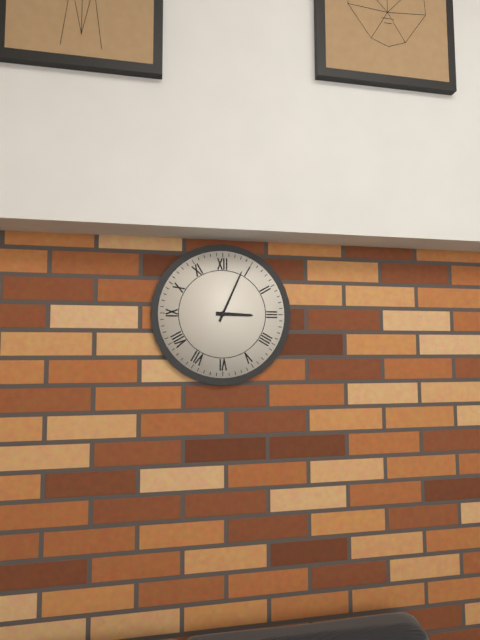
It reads 3,04
